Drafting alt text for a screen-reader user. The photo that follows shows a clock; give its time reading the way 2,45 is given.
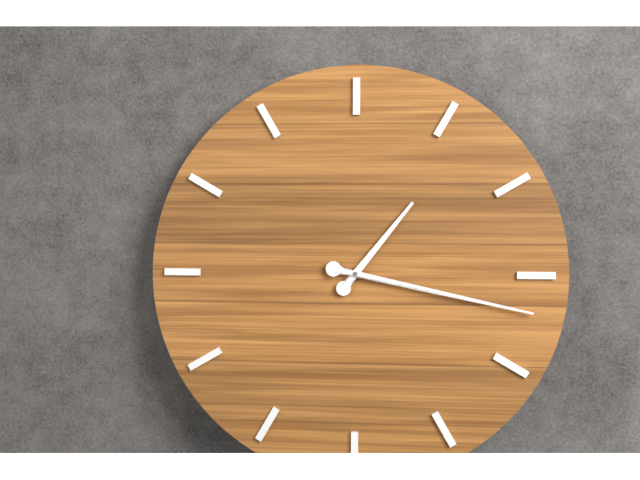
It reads 1,17
